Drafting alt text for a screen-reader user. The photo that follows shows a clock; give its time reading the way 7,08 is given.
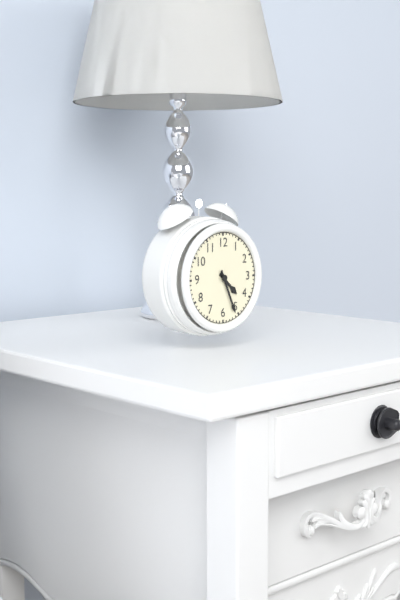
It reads 4,26
